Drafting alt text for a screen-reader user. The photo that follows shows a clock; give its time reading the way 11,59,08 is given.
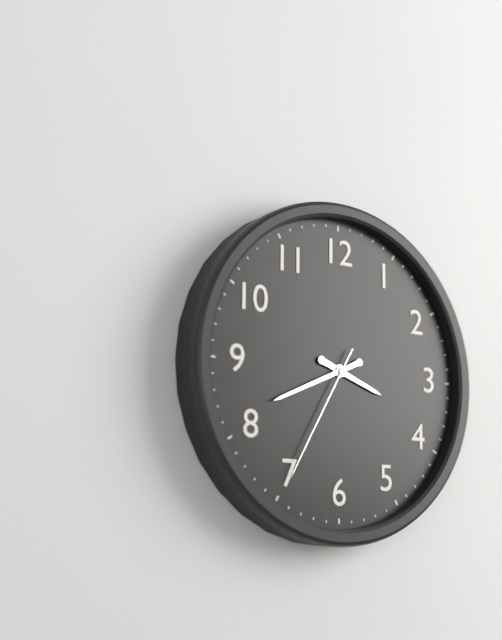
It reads 3,41,35
